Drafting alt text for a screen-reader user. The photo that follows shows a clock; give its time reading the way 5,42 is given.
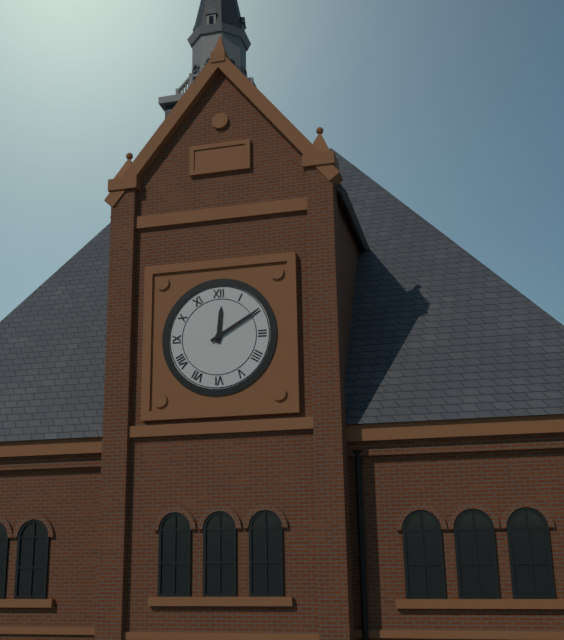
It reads 12,10
